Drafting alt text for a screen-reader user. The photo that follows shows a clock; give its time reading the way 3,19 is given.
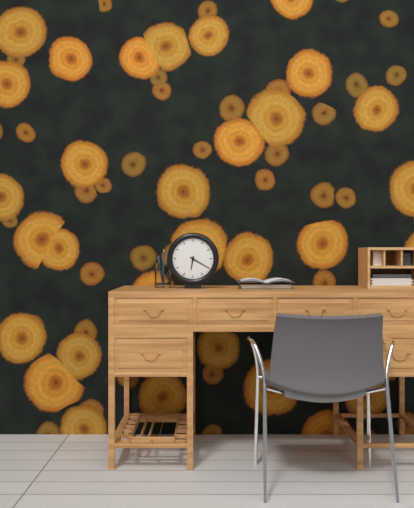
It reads 6,20
